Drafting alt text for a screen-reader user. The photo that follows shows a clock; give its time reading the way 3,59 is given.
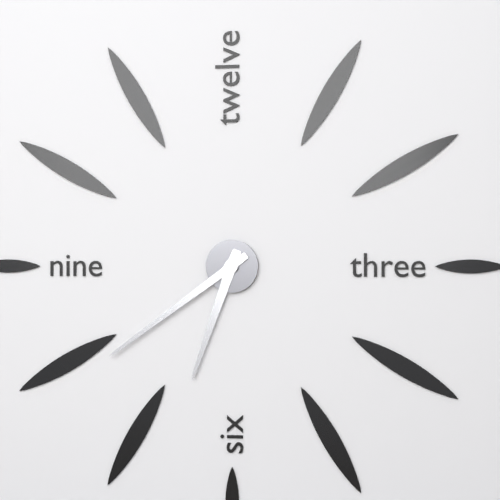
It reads 6,39
